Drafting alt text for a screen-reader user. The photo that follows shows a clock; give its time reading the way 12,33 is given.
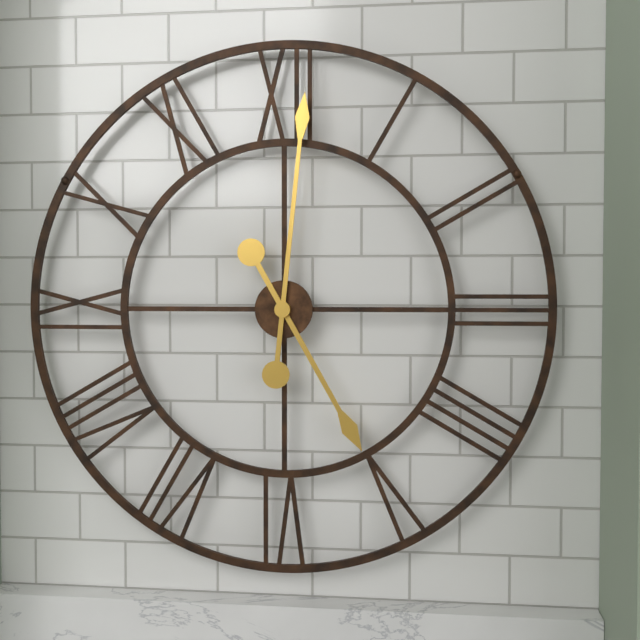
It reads 5,01
